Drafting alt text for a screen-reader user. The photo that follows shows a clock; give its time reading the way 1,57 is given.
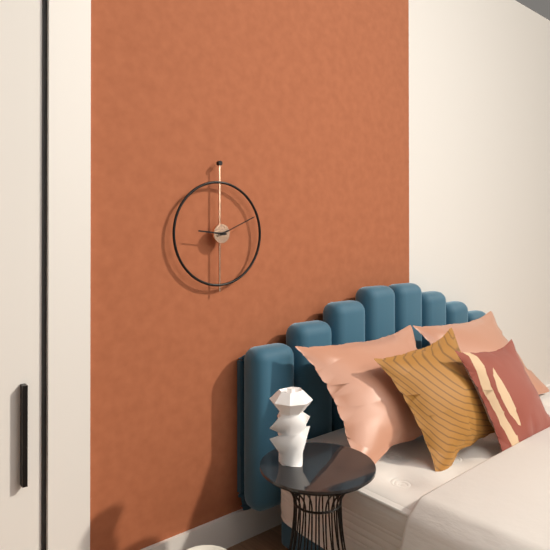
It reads 9,11
